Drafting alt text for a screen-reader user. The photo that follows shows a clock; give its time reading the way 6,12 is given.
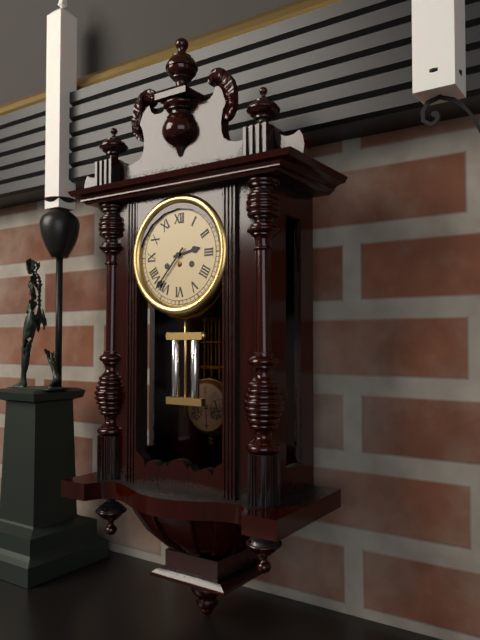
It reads 2,37
